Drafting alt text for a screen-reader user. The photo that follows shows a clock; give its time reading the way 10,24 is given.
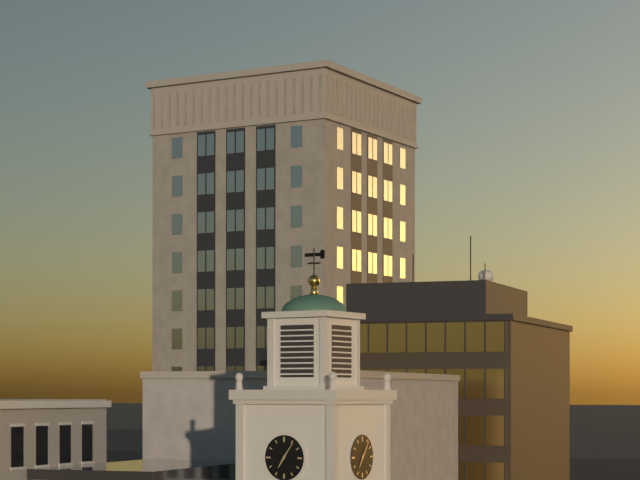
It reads 7,06
